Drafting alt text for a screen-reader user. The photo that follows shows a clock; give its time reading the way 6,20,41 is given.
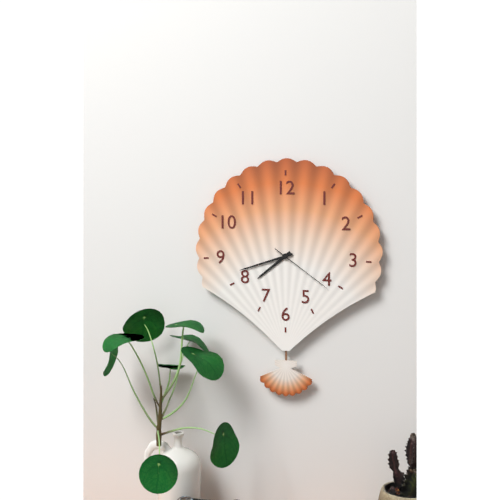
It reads 7,42,21
